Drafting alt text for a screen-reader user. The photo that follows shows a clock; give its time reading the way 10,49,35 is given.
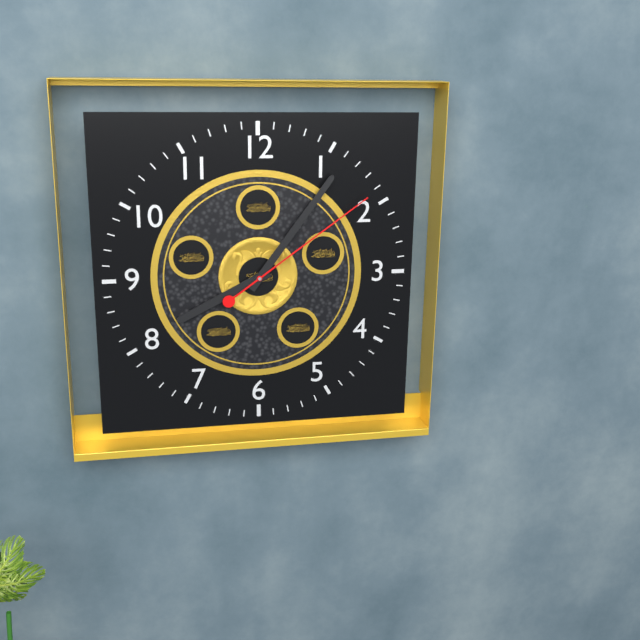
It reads 8,06,09
